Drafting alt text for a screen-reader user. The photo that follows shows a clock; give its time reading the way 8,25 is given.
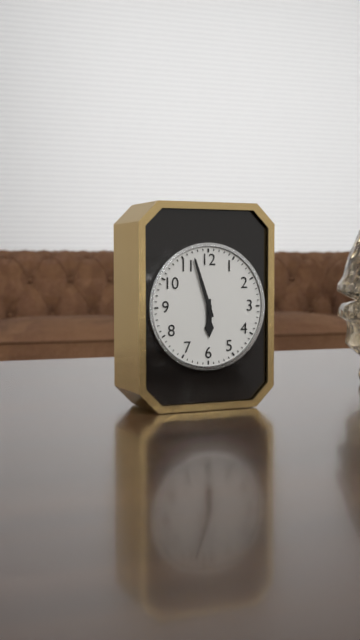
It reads 5,57
